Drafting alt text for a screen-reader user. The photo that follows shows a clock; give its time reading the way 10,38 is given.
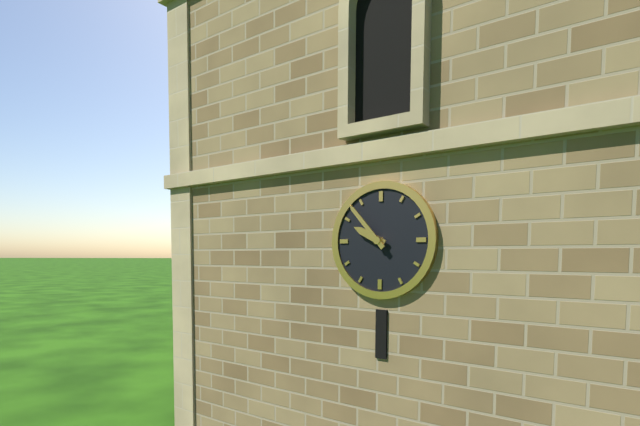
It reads 9,53
